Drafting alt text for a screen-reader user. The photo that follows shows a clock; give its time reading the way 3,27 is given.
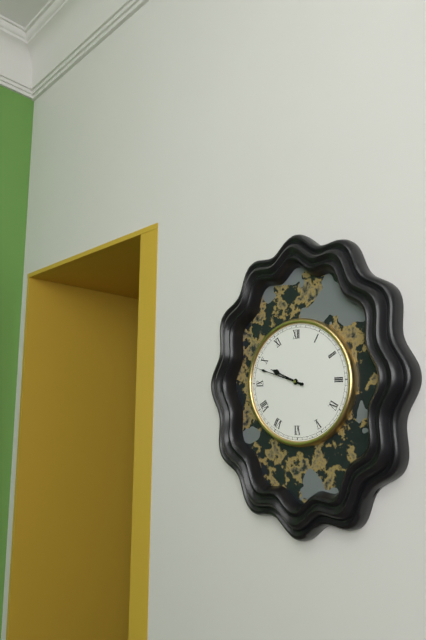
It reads 9,48
